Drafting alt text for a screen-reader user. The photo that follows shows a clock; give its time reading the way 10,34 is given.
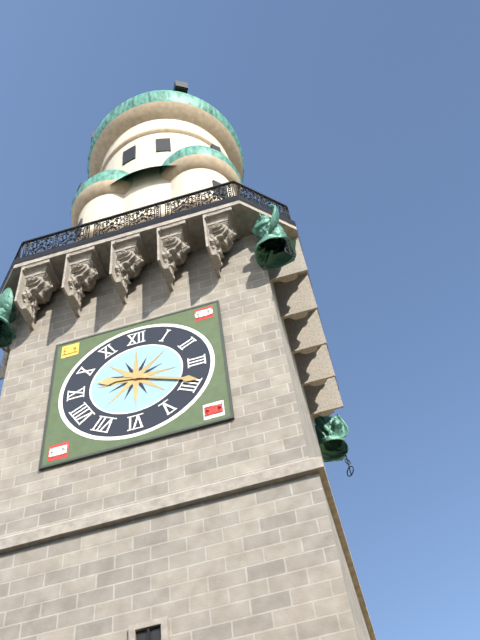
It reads 9,19
